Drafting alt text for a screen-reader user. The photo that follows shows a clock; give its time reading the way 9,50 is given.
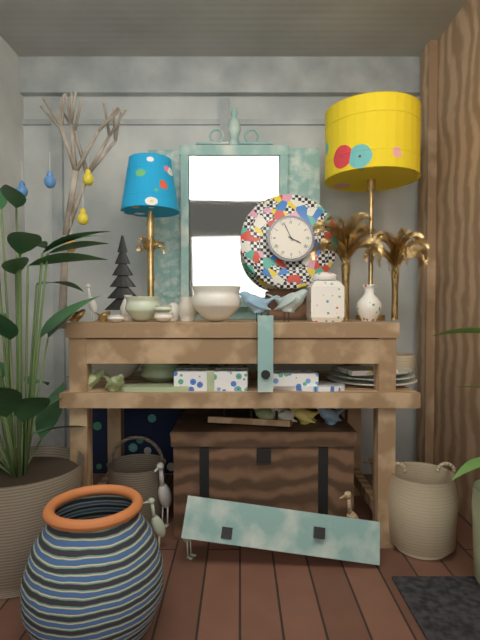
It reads 3,56
